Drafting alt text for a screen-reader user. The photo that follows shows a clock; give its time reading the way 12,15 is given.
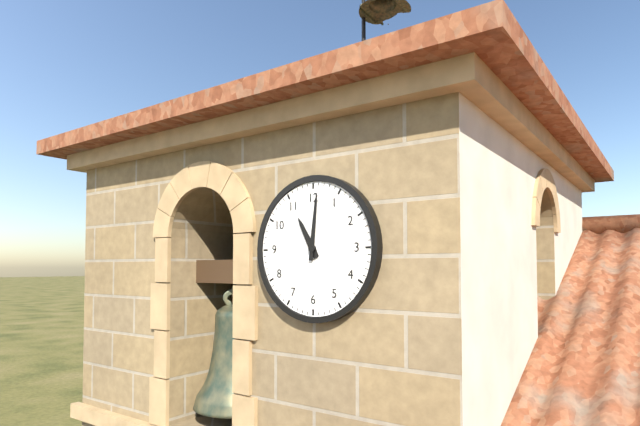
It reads 11,01
